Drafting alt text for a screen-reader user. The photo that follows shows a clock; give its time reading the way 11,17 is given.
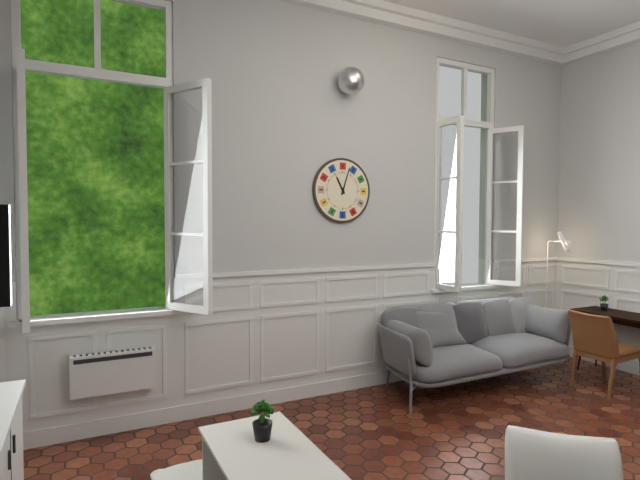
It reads 11,03
